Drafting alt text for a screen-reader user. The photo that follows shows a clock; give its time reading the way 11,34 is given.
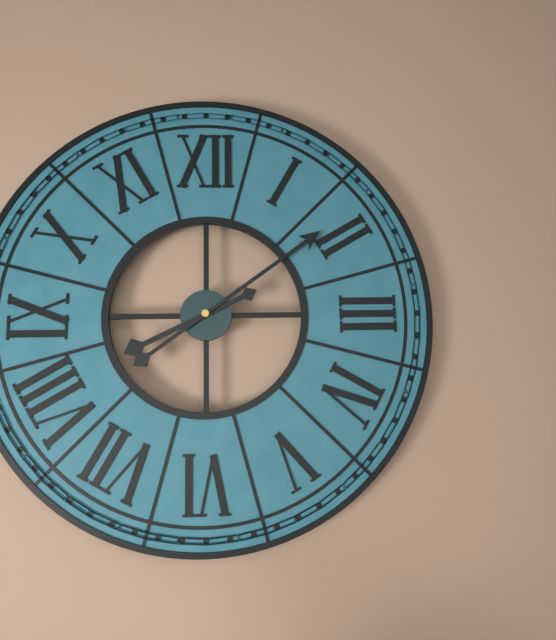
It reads 8,09
